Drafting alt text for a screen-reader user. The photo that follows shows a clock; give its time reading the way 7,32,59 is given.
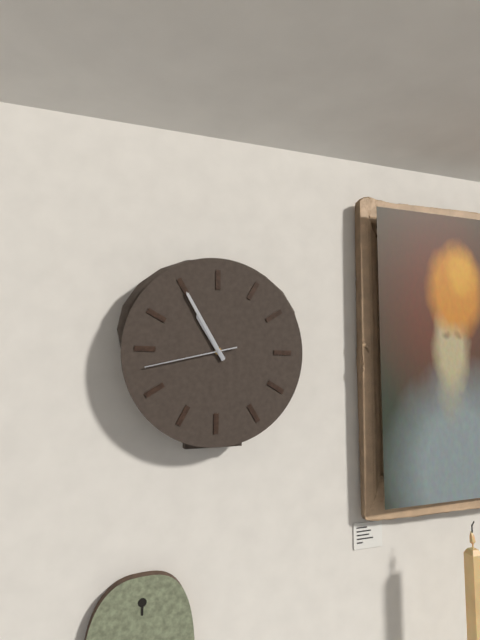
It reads 10,55,43
